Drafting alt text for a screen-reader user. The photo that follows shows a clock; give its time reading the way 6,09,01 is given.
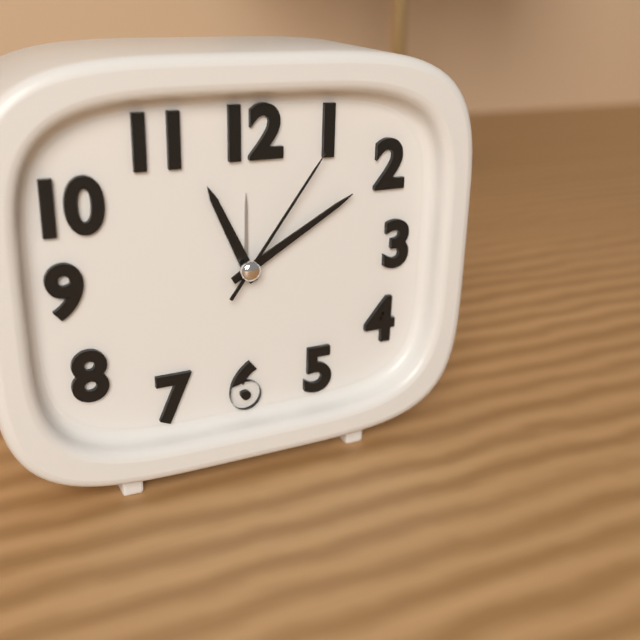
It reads 11,10,06
